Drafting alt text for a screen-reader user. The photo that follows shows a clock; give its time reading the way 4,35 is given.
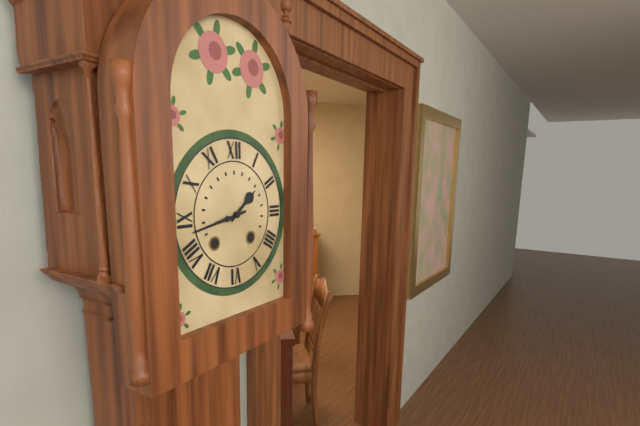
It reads 1,43
